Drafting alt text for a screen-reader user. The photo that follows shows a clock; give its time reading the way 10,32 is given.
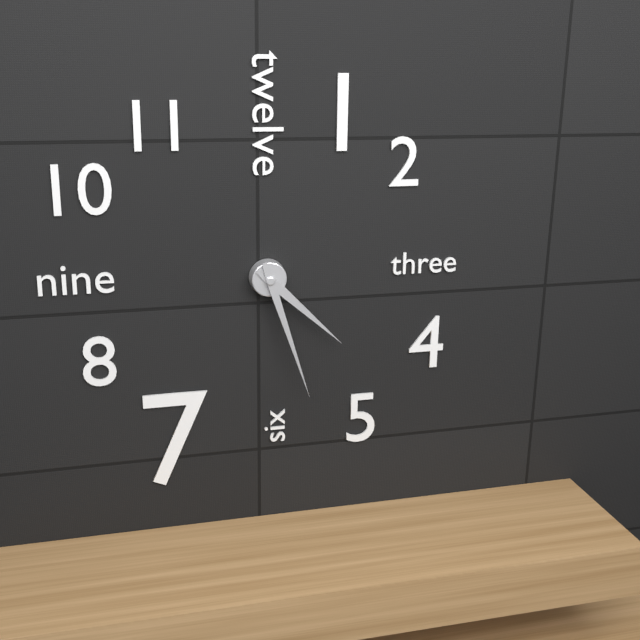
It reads 4,27
